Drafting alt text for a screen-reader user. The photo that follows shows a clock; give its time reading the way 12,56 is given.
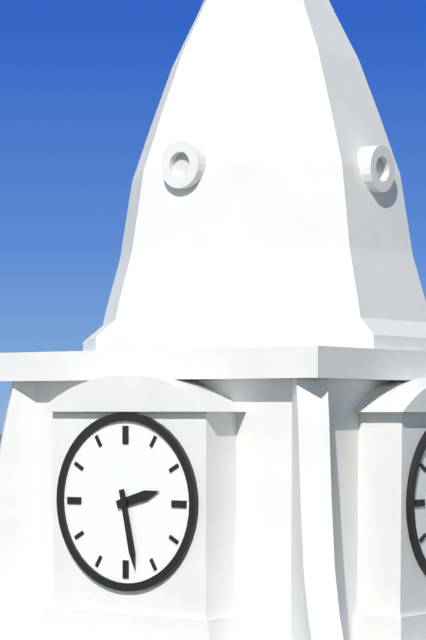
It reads 2,28
